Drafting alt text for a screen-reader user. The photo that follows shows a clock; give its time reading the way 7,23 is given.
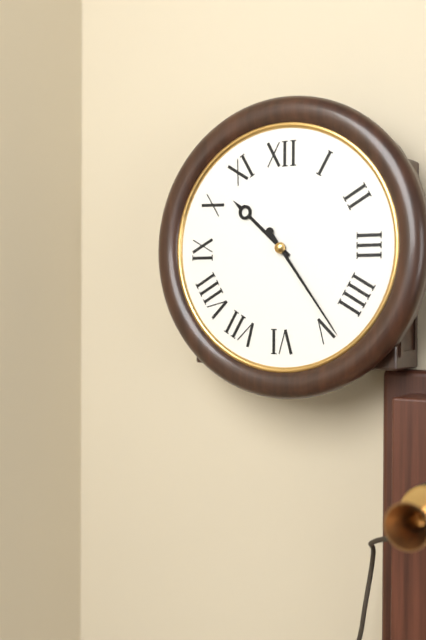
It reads 10,24
